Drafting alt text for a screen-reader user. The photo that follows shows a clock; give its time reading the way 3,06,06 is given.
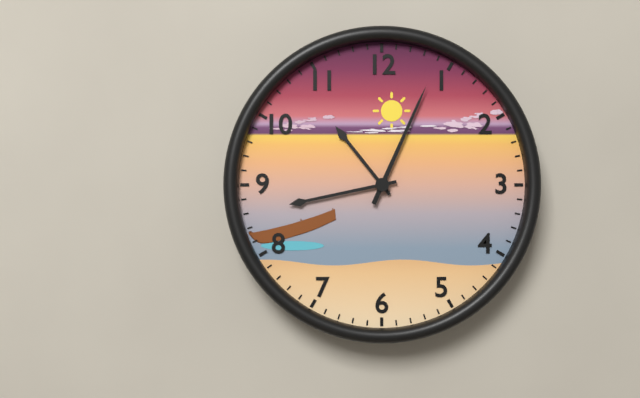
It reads 10,43,04
